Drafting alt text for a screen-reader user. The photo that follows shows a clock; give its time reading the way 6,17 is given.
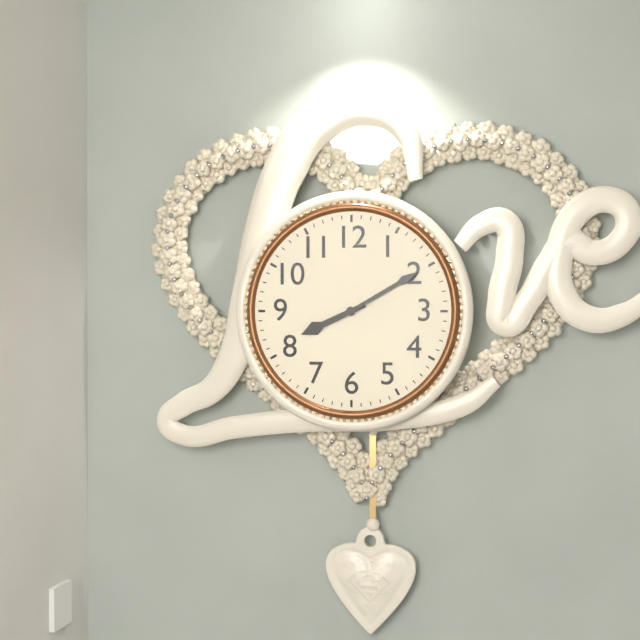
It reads 8,10
